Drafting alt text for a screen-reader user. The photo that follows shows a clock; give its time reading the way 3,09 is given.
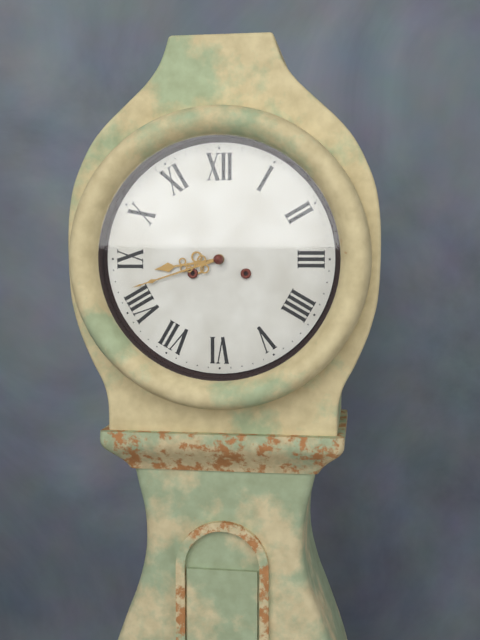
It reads 8,42
